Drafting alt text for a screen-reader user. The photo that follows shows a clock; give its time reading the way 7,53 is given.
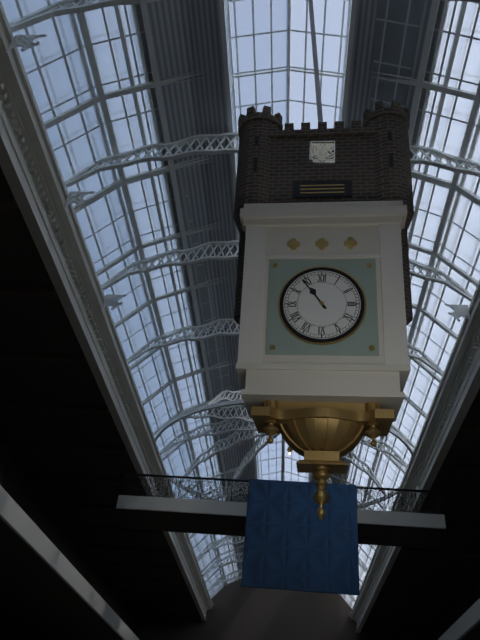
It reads 10,54
